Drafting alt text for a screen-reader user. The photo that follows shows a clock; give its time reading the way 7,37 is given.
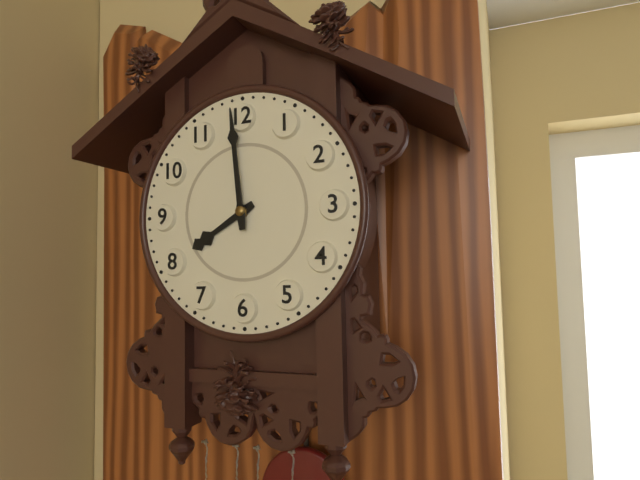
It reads 7,59
